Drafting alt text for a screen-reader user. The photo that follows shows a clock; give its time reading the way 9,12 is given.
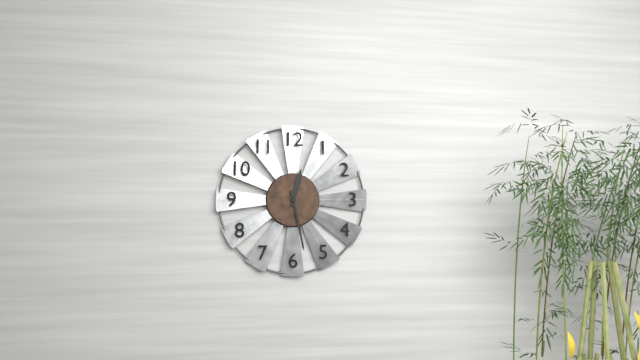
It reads 12,28
